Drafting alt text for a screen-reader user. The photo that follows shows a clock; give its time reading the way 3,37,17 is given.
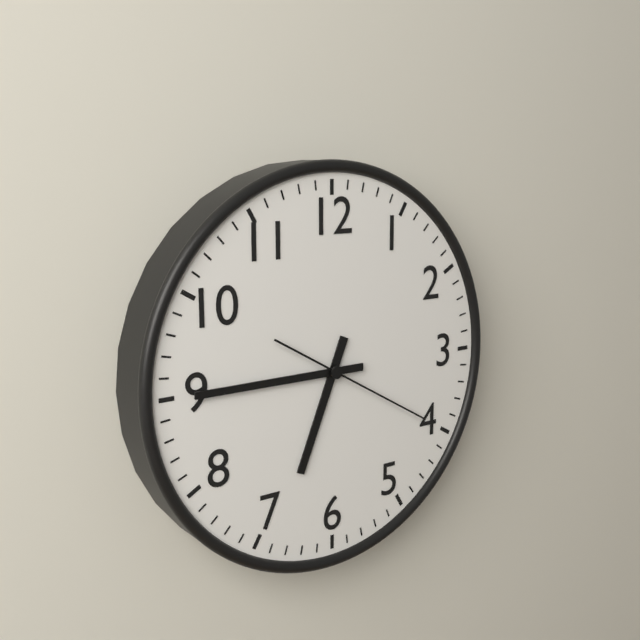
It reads 6,45,20
